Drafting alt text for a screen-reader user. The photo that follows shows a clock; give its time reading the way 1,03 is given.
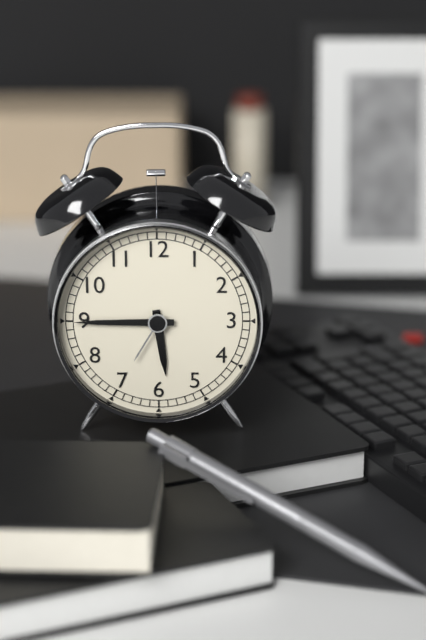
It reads 5,45
